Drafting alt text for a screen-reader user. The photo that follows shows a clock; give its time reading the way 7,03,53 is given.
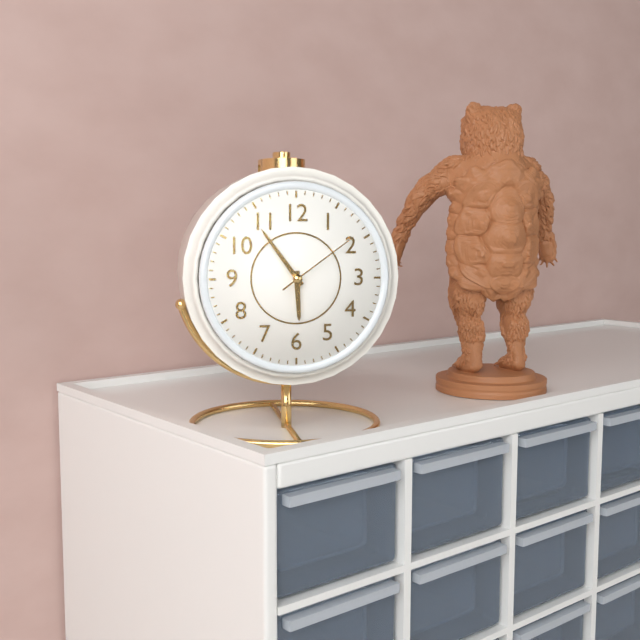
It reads 5,54,09
